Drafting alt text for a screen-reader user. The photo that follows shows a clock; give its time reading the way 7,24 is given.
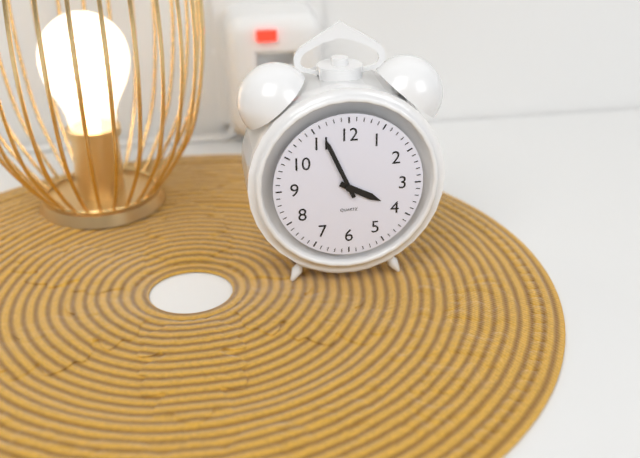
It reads 3,56
